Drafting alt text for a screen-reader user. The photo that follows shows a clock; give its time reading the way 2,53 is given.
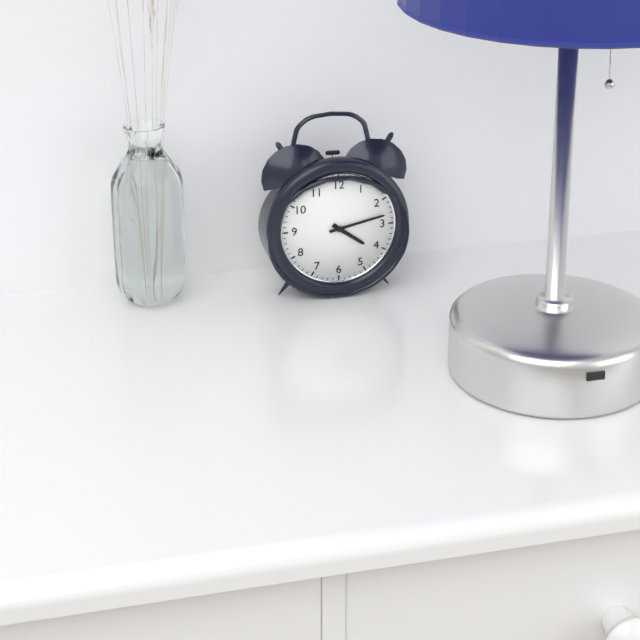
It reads 4,13
